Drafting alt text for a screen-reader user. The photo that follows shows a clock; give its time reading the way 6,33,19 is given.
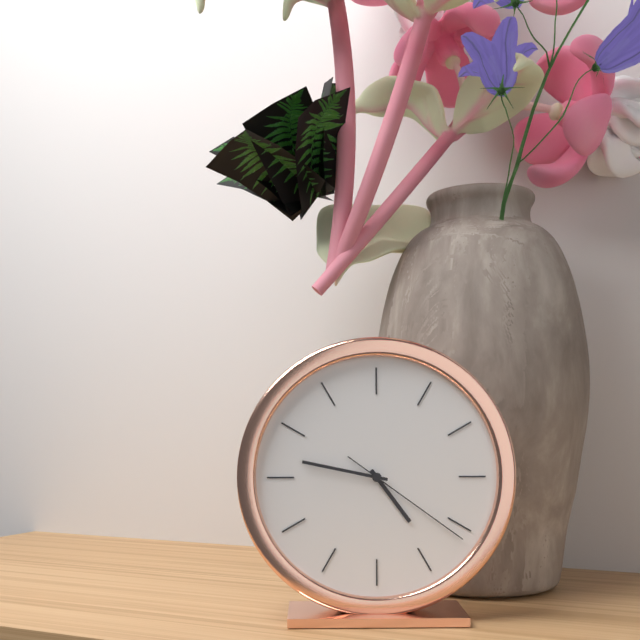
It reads 4,47,21
